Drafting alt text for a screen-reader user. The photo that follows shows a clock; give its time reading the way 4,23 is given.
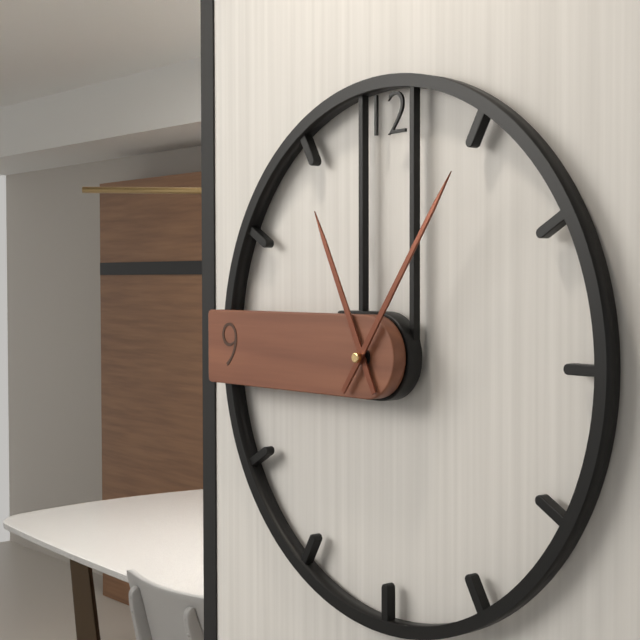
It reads 11,06
